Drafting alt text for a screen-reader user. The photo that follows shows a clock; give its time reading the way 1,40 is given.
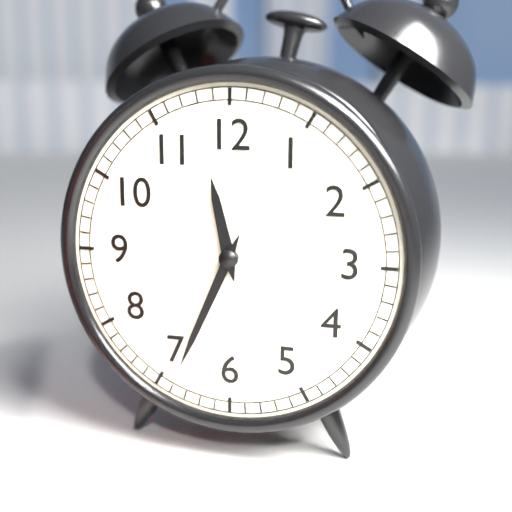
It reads 11,34
